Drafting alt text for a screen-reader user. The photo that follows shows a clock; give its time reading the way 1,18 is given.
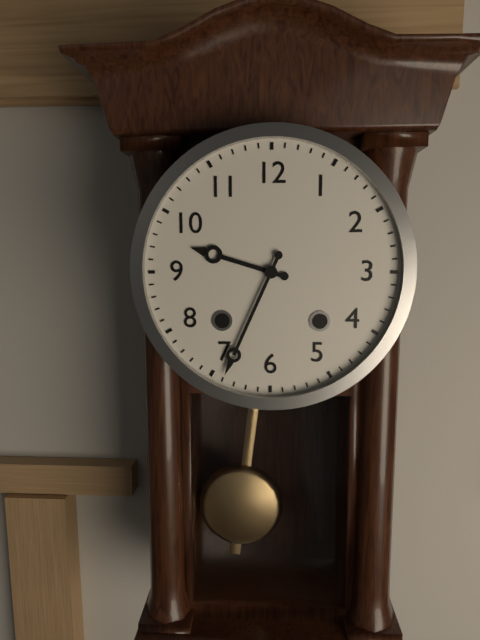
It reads 9,34
